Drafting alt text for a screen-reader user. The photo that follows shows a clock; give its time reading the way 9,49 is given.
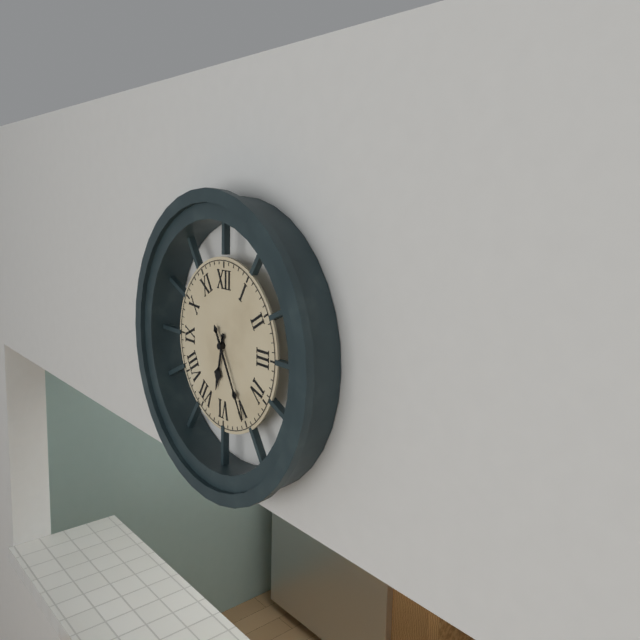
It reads 6,25
